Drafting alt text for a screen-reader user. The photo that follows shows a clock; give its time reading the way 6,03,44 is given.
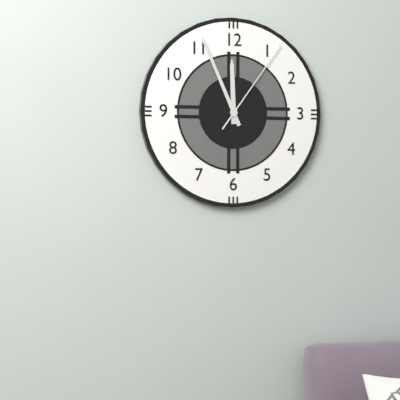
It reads 11,56,06
